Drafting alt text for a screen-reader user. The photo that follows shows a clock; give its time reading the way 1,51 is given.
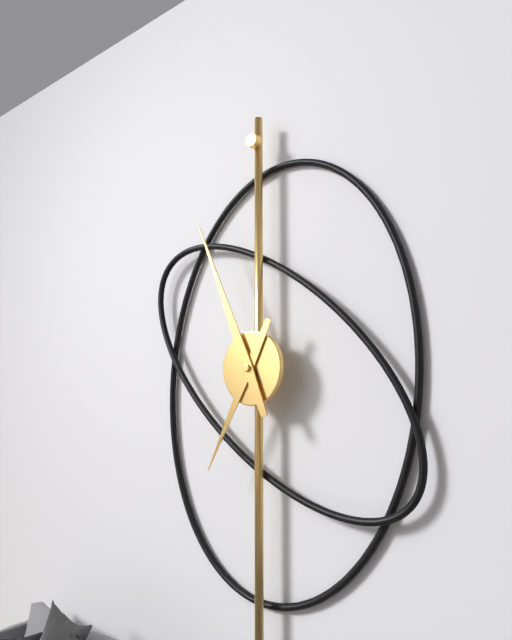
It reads 6,56
